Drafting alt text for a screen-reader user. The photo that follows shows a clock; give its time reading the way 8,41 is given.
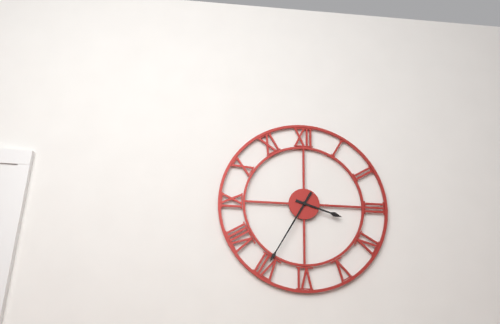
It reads 3,35
